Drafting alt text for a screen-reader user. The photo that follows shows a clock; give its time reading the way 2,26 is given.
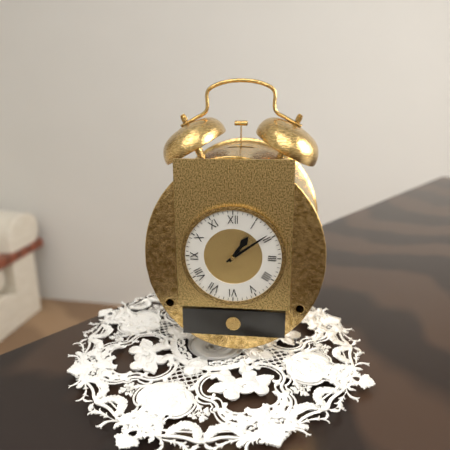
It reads 1,09
